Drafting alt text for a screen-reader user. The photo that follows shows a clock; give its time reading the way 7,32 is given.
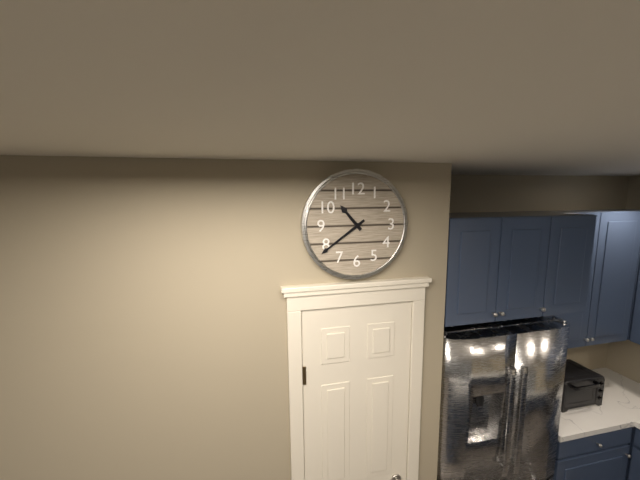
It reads 10,39
